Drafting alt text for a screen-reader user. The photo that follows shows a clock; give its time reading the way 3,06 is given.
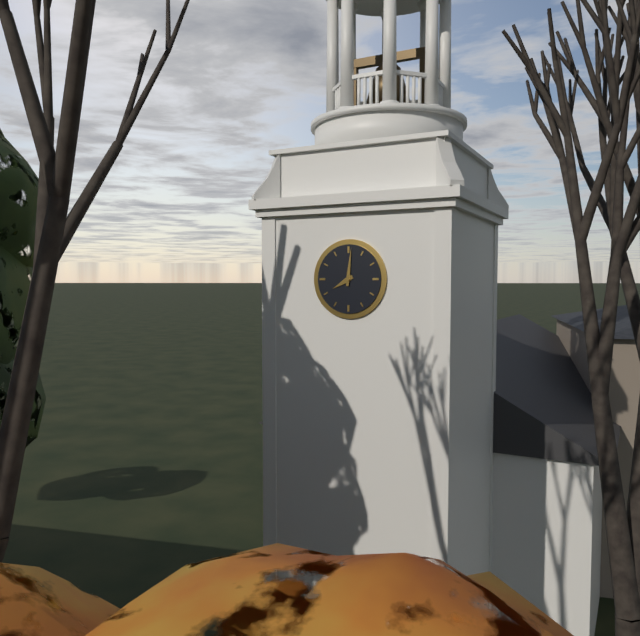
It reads 8,01
